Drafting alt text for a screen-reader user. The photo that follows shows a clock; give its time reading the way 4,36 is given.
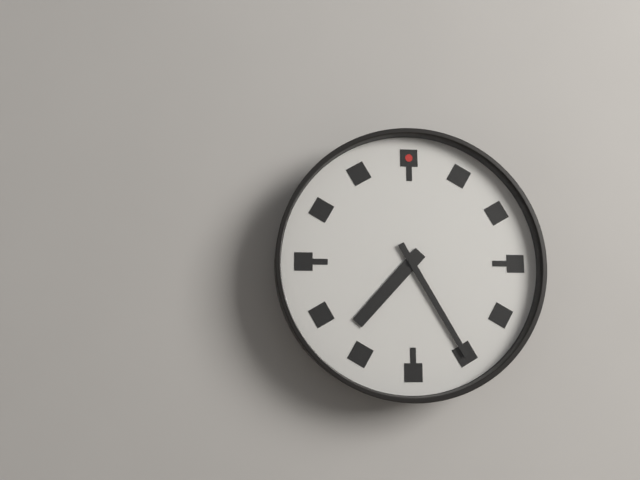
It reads 7,25
